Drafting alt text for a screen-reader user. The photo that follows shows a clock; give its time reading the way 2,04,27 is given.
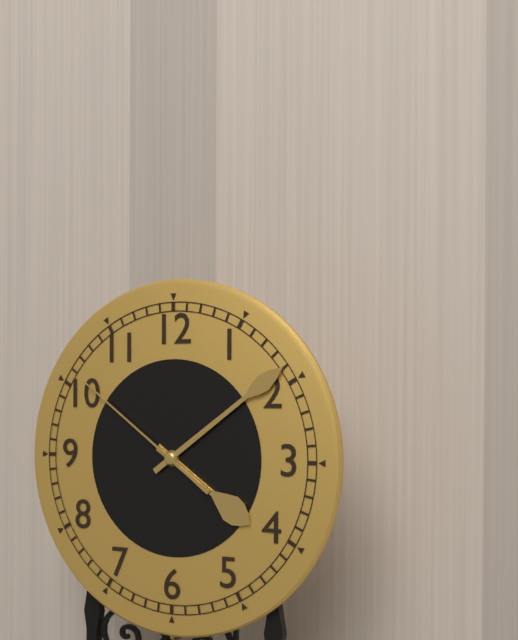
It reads 4,09,51
